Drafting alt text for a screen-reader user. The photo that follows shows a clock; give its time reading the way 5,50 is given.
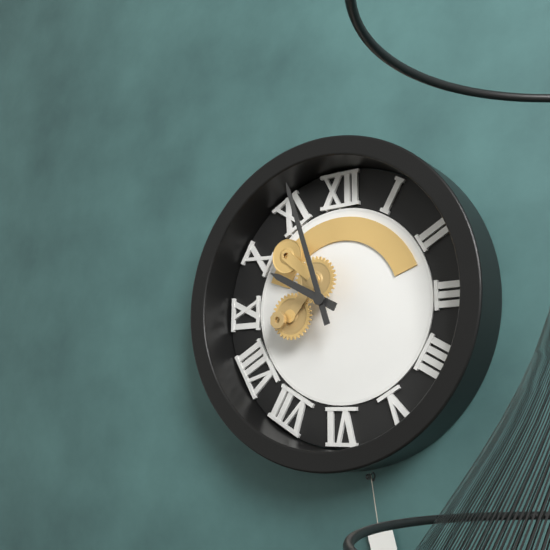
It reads 9,57
